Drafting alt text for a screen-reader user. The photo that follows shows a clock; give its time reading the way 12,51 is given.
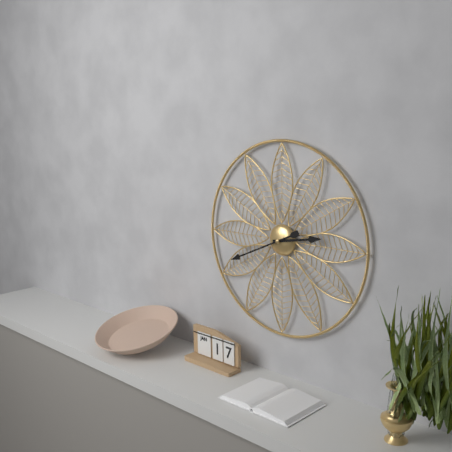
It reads 2,41
